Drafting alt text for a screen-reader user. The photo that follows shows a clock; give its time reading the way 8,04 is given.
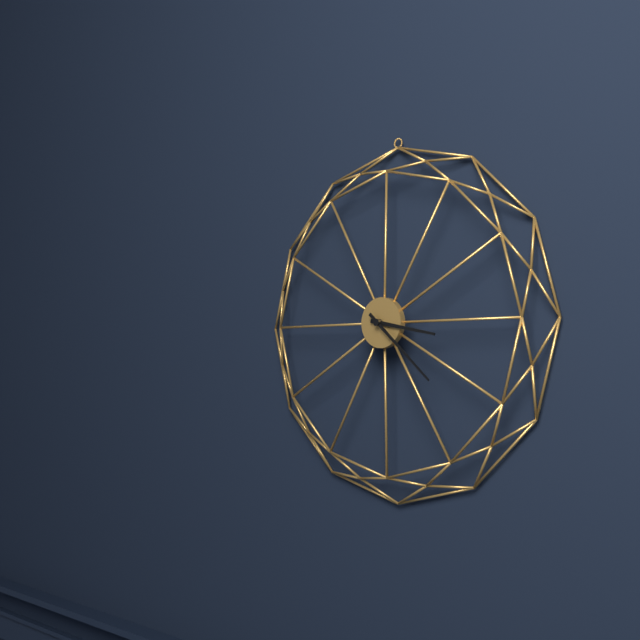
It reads 3,22
